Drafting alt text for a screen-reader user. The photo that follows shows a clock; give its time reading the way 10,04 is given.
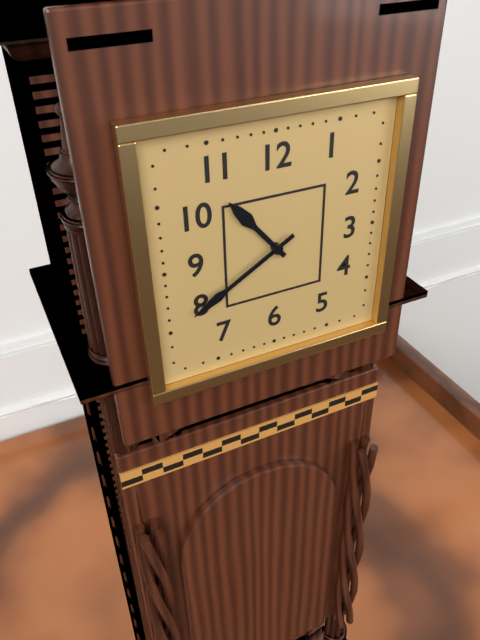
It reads 10,40
